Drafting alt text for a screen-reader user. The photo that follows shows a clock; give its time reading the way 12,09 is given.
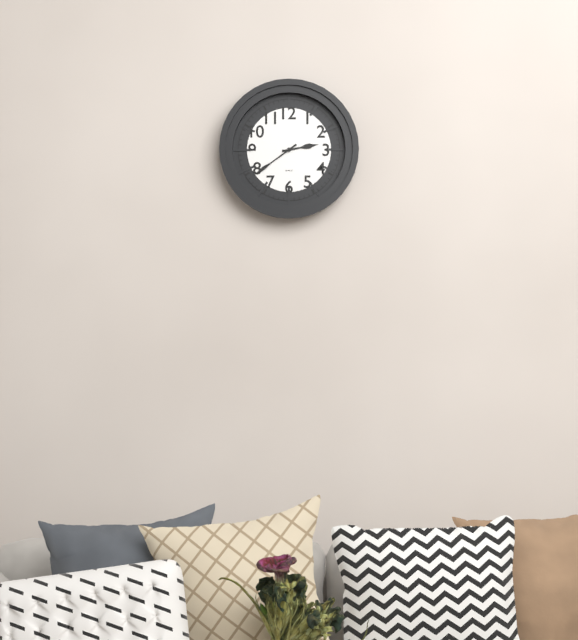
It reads 2,39
